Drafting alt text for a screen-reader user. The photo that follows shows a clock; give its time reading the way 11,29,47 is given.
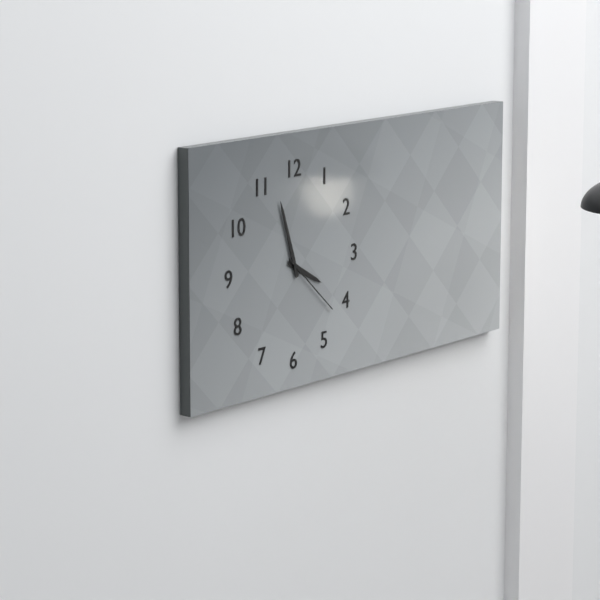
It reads 3,57,22
